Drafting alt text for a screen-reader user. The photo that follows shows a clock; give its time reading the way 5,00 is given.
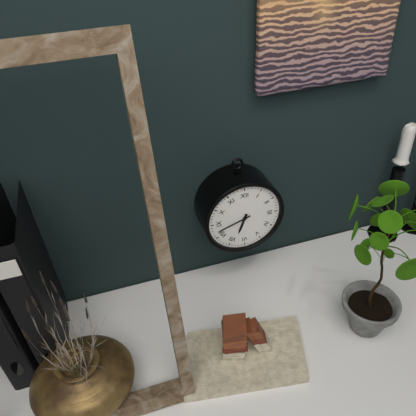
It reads 6,42
